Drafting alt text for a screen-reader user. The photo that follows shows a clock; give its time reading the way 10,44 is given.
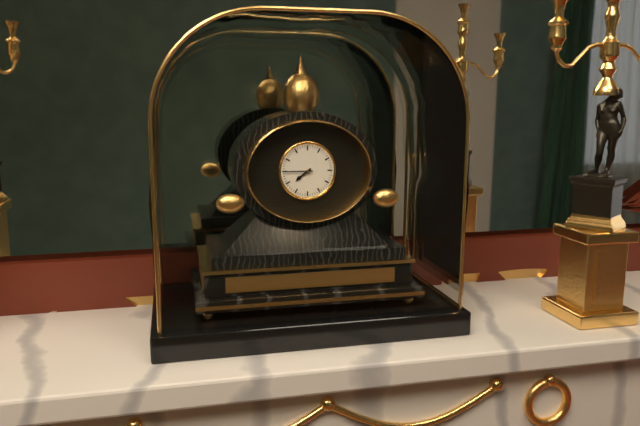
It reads 7,45
